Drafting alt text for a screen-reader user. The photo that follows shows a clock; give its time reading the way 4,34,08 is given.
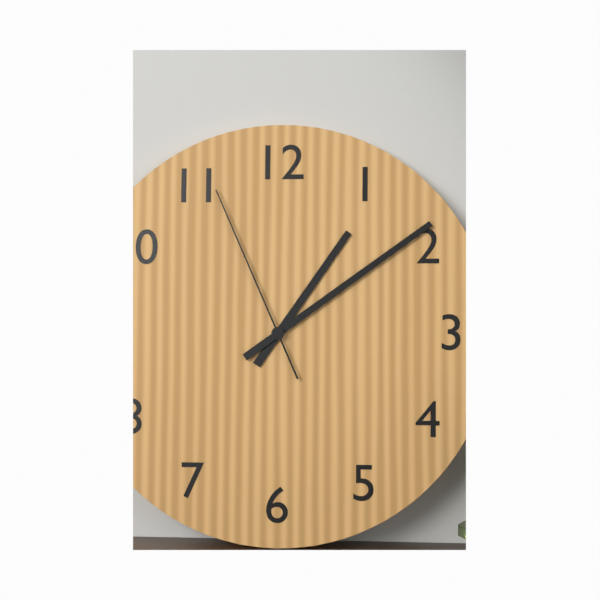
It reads 1,09,56
